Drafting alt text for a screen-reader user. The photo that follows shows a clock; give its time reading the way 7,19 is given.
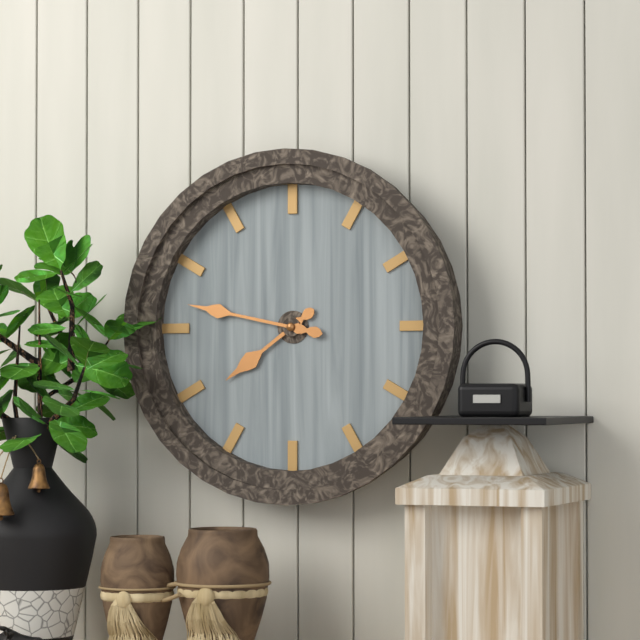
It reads 7,47
